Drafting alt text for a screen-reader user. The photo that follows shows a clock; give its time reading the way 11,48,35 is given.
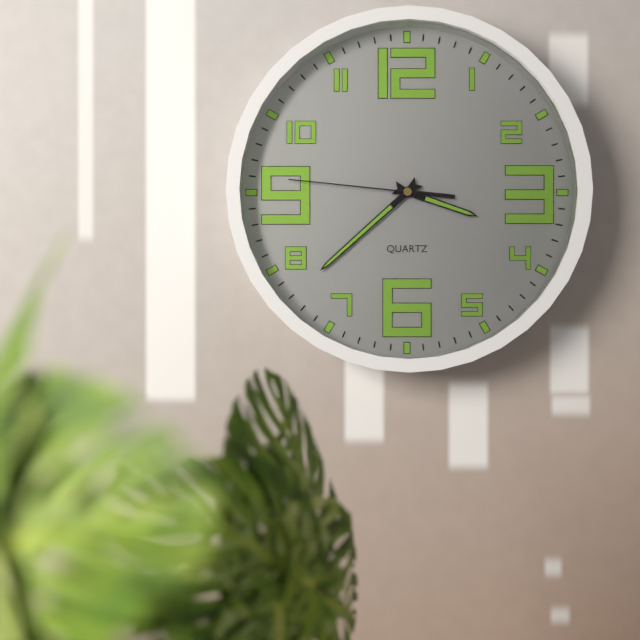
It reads 3,38,46
